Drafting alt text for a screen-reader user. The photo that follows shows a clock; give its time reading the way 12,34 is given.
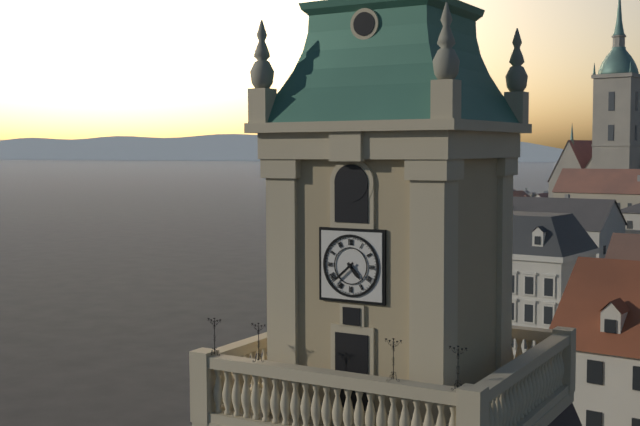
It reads 4,38
